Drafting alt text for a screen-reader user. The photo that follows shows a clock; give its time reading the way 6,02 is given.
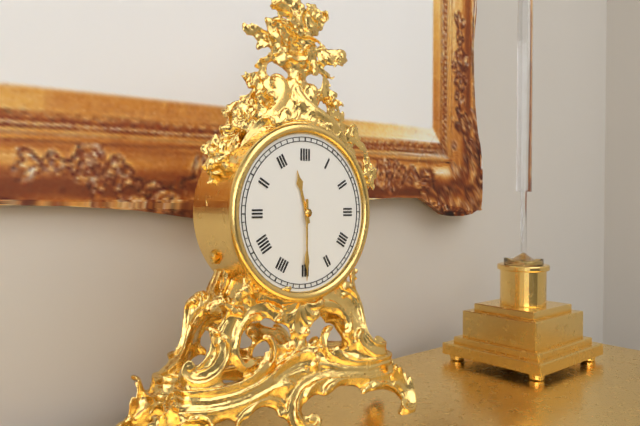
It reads 11,30
